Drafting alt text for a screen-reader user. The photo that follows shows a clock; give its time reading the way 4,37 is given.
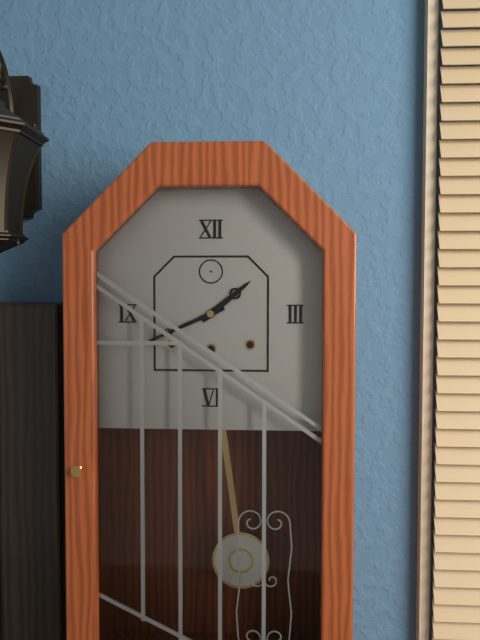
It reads 1,41
